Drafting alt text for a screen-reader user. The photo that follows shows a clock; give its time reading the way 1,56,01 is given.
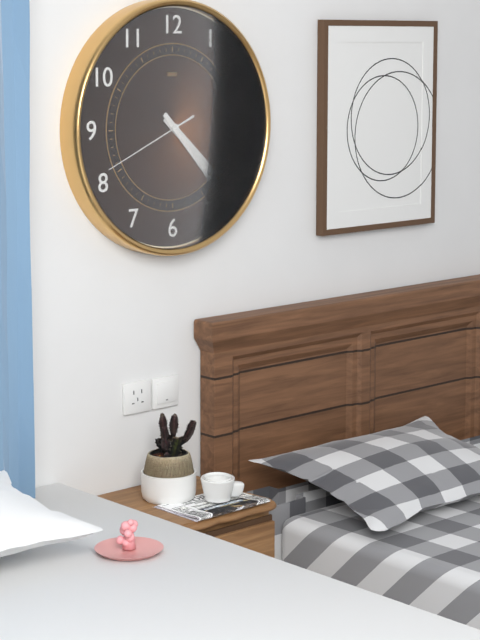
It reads 4,23,41
